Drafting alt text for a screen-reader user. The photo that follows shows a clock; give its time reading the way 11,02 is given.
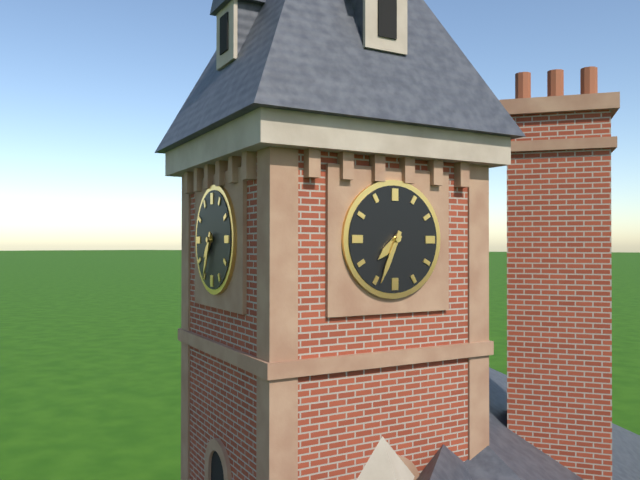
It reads 7,34
